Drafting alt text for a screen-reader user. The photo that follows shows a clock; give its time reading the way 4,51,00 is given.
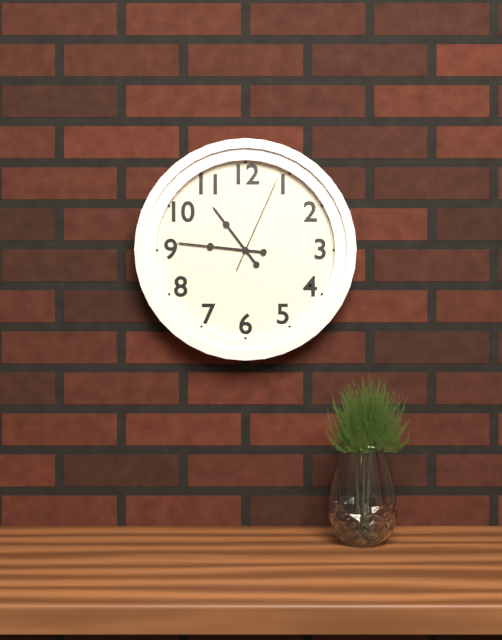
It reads 10,46,04
